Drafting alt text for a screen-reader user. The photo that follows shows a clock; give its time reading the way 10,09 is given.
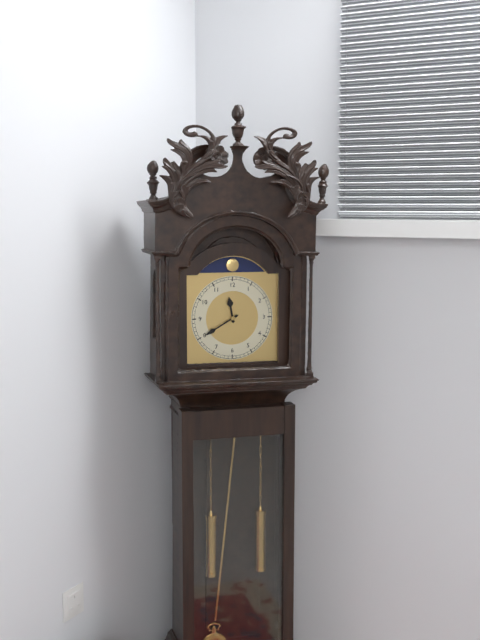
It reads 11,40
